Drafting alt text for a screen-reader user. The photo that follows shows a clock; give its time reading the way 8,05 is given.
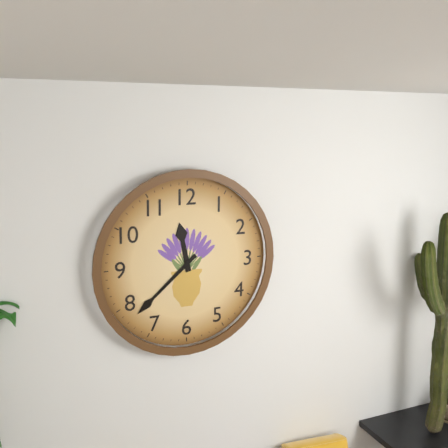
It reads 11,38
